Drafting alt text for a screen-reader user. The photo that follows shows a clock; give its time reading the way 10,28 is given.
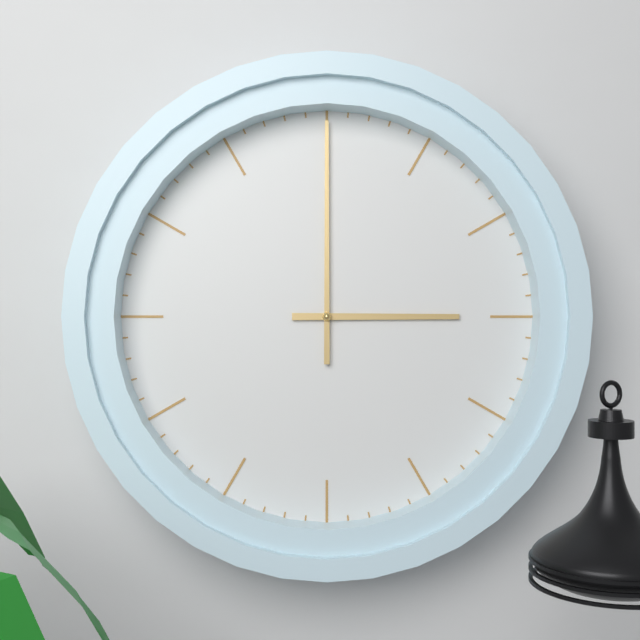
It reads 3,00
